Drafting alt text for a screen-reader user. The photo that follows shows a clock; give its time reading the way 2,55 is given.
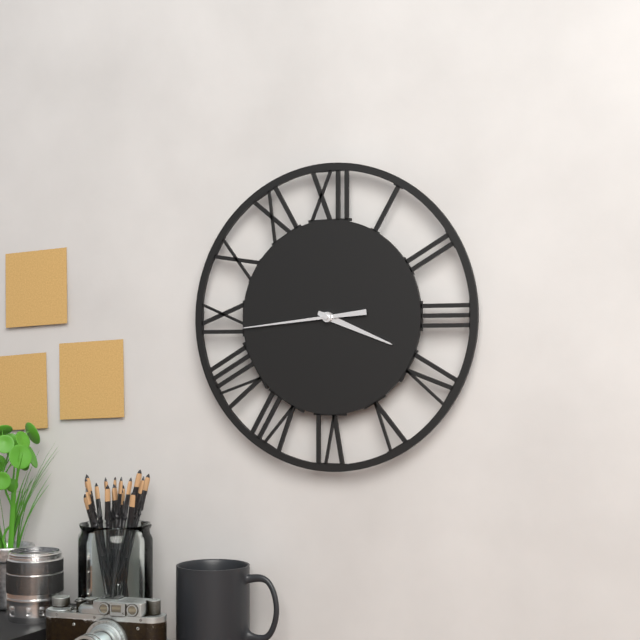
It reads 3,44
